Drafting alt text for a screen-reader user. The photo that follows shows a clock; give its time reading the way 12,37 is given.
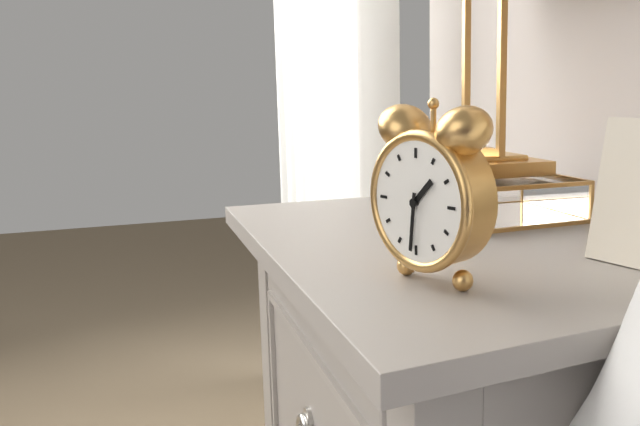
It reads 1,31
